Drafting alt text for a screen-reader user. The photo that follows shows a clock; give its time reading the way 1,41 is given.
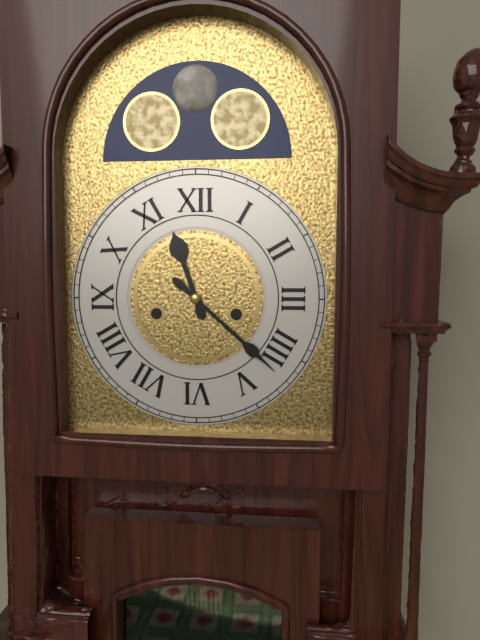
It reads 11,22
